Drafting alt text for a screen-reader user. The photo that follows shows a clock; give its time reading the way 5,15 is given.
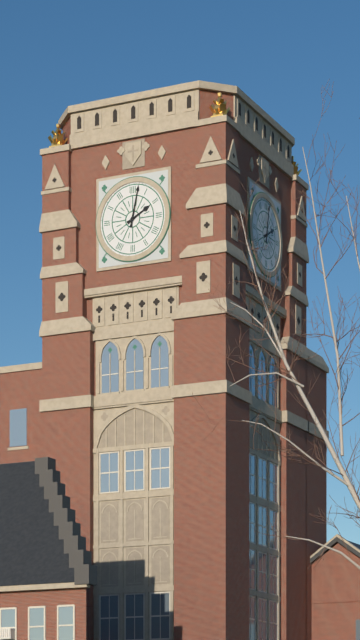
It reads 2,02
